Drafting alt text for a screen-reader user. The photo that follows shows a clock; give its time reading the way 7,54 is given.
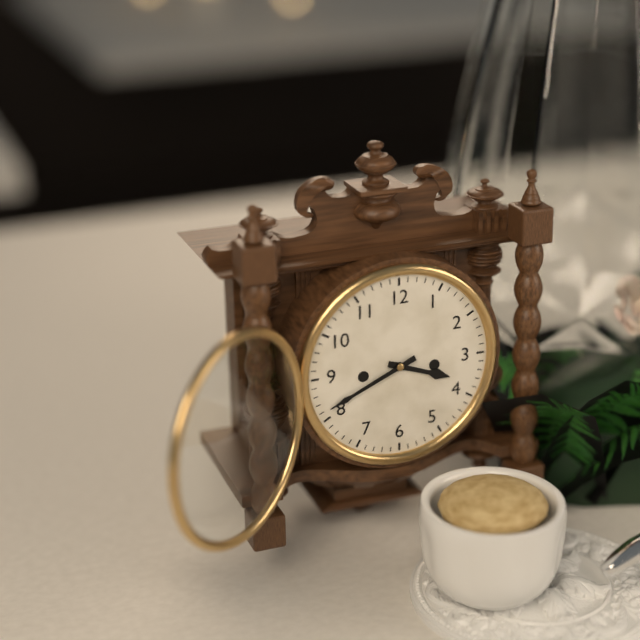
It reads 3,41
